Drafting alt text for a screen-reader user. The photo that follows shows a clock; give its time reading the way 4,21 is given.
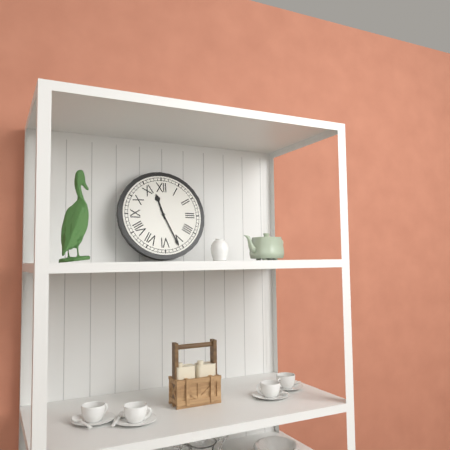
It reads 11,26
